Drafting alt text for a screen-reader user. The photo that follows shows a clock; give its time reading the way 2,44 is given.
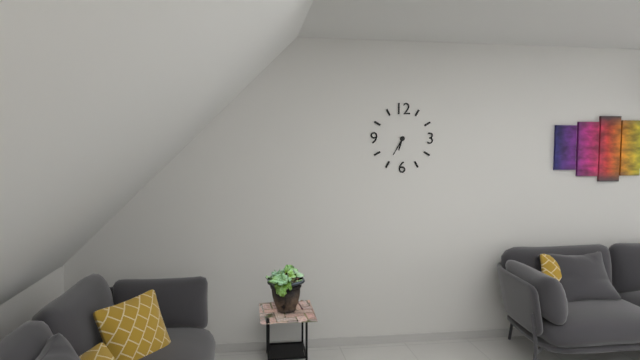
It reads 6,35
